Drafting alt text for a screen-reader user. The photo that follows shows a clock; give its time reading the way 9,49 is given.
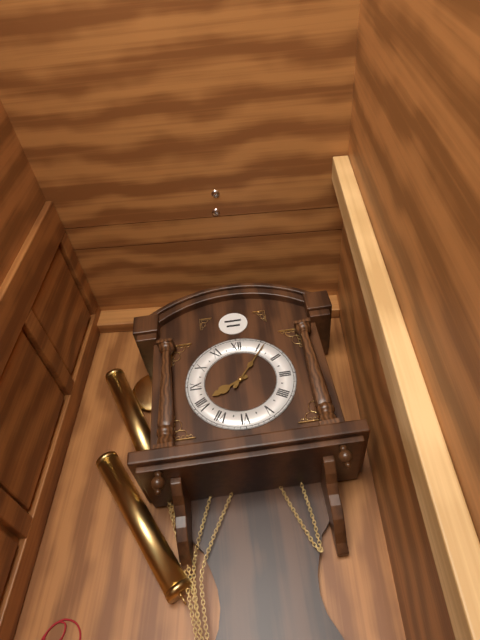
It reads 8,06
